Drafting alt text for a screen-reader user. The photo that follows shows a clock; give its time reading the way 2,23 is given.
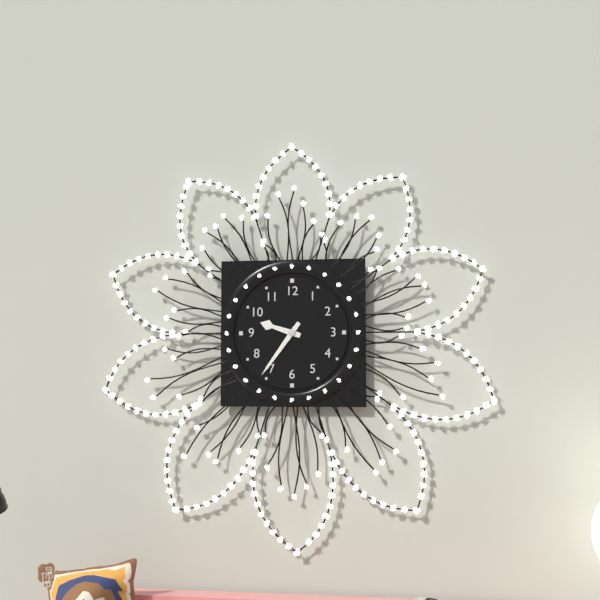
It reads 9,36
